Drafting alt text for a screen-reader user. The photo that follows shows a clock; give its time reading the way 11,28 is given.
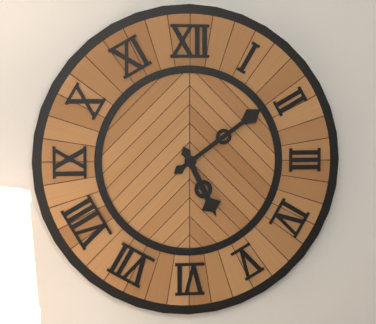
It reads 5,09
